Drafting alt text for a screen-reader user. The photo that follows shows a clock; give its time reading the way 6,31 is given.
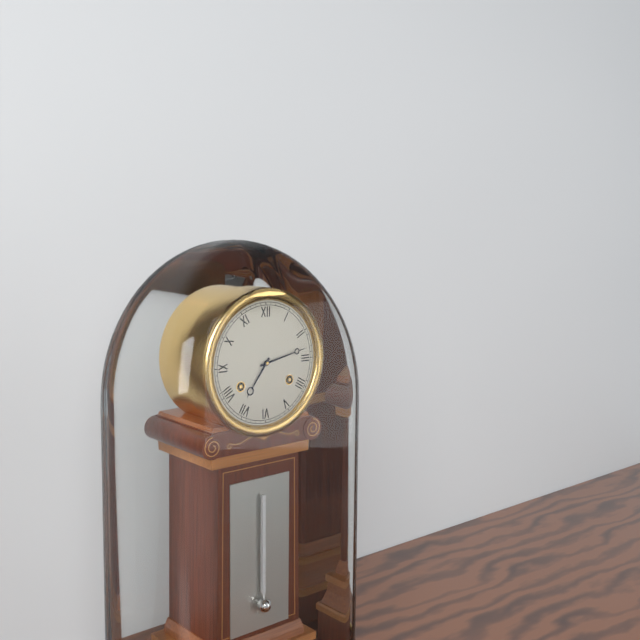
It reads 7,13
